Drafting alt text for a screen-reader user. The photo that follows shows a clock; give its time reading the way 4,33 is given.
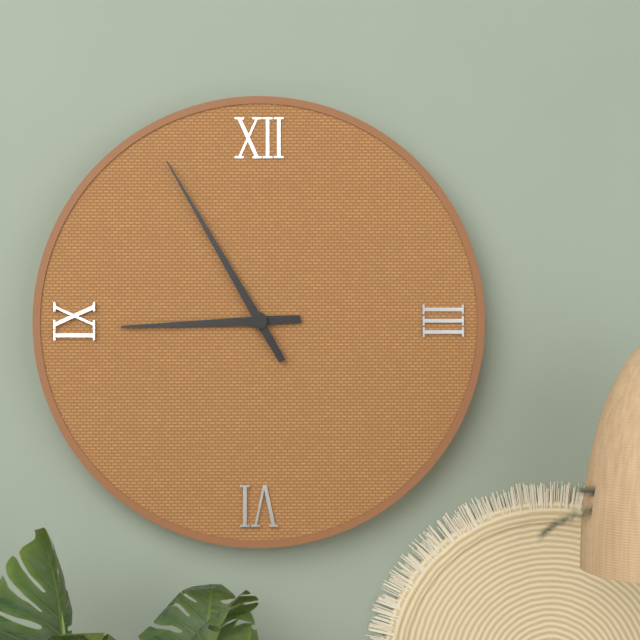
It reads 8,55
